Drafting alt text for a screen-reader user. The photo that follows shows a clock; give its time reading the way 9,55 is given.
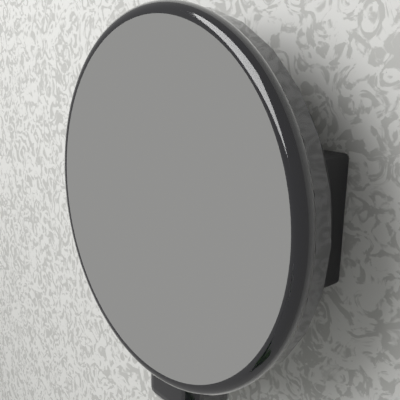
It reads 4,08
